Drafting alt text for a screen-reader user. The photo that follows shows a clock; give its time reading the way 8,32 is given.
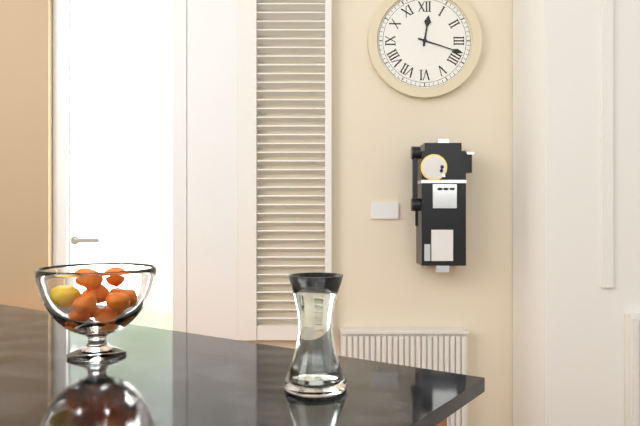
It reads 12,18
